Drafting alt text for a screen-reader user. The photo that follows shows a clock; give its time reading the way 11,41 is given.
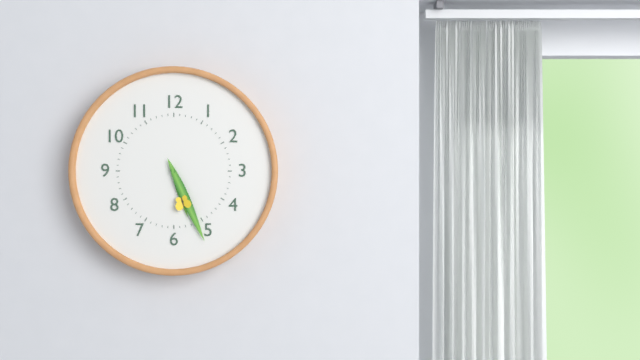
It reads 5,26
